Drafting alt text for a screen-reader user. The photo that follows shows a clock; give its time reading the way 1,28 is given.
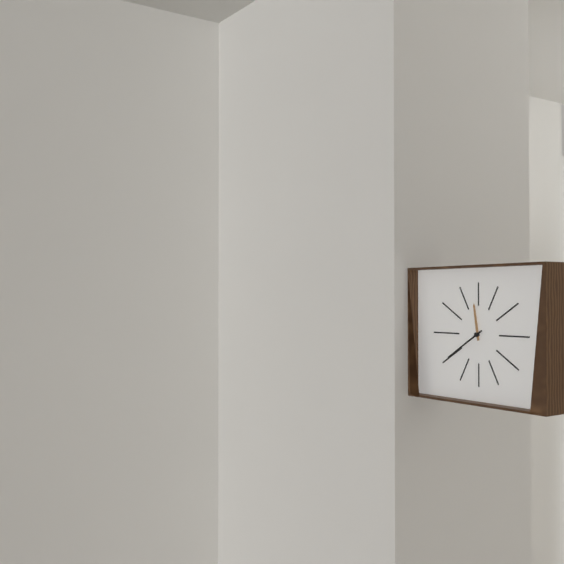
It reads 11,40
